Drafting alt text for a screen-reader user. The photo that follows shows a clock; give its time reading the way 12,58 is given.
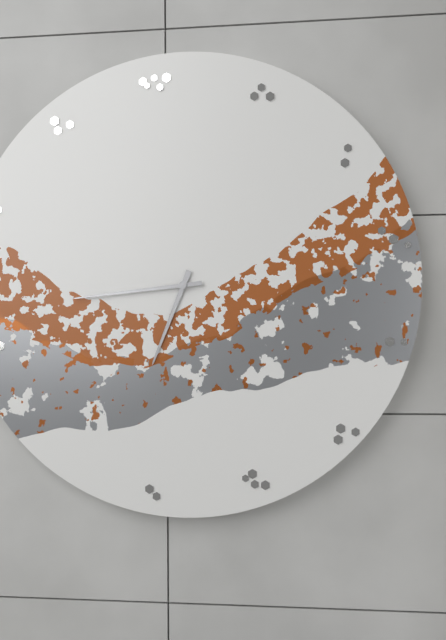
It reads 6,44
